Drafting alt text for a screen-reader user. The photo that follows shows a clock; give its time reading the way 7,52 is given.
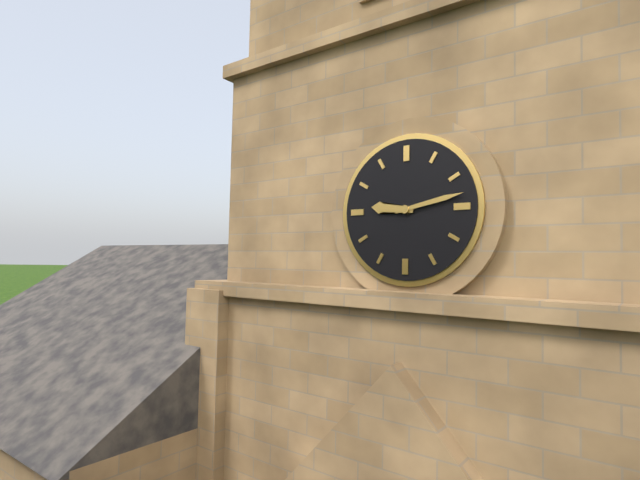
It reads 9,13
